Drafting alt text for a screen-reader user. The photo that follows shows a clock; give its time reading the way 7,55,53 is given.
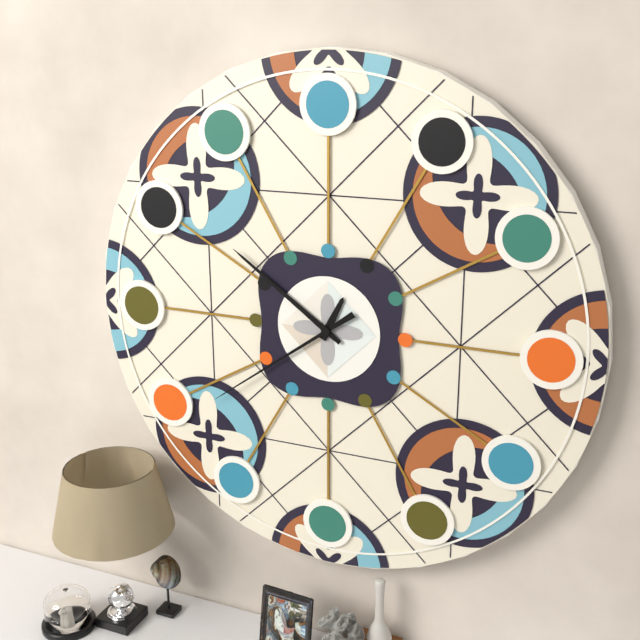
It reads 12,51,39
